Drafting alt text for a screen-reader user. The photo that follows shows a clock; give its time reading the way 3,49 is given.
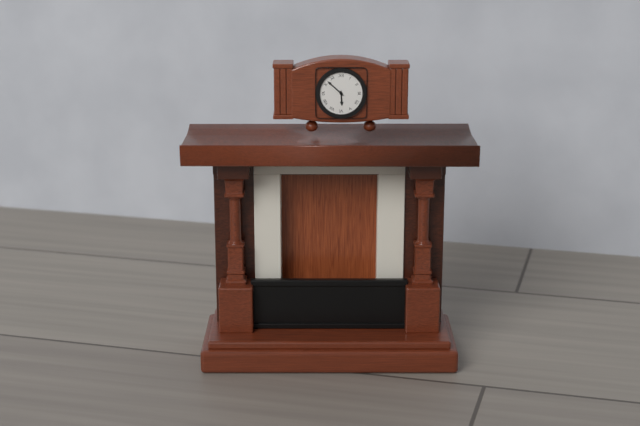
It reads 5,52
